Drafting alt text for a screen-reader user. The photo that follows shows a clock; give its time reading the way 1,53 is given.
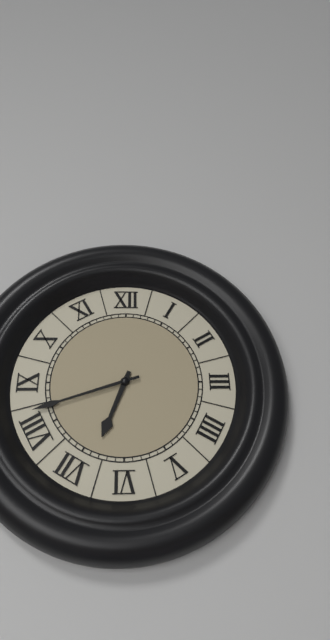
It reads 6,42
